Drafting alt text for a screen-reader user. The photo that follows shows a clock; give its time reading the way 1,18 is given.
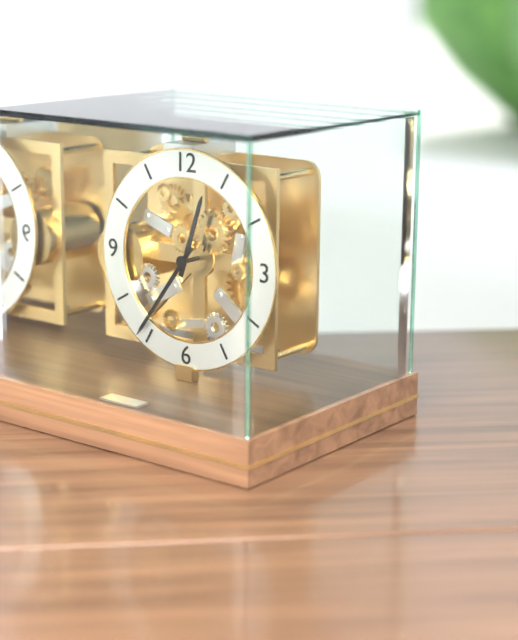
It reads 12,36
